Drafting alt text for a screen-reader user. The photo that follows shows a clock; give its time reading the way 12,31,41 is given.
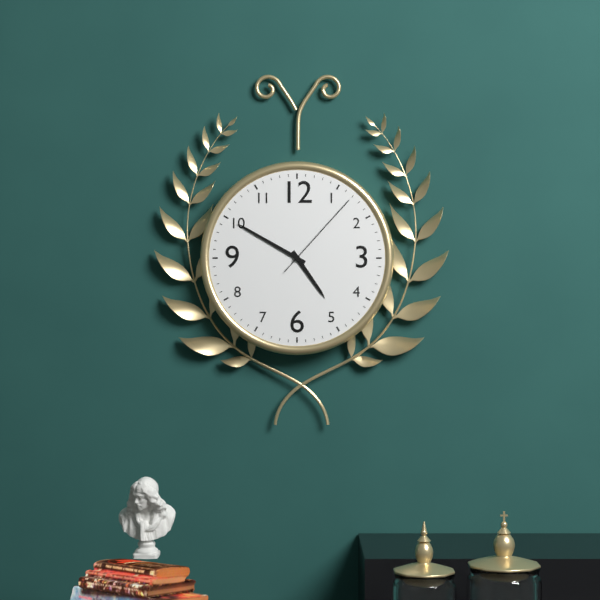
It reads 4,50,07
